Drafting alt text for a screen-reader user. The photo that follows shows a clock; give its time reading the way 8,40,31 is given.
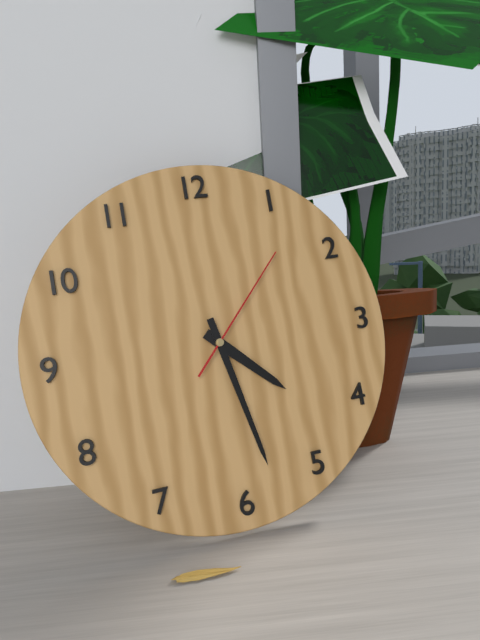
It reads 4,28,07
